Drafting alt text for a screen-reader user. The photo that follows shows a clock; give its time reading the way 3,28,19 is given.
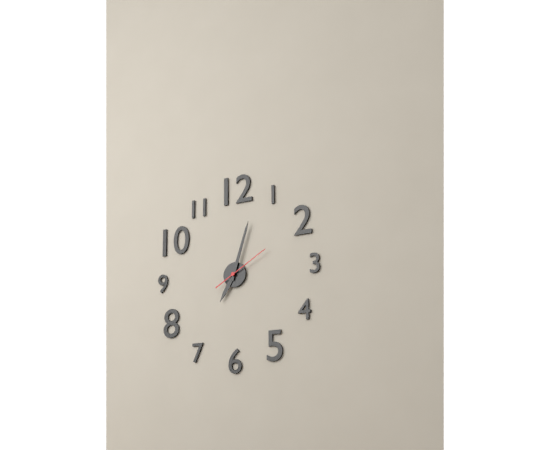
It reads 7,03,10
